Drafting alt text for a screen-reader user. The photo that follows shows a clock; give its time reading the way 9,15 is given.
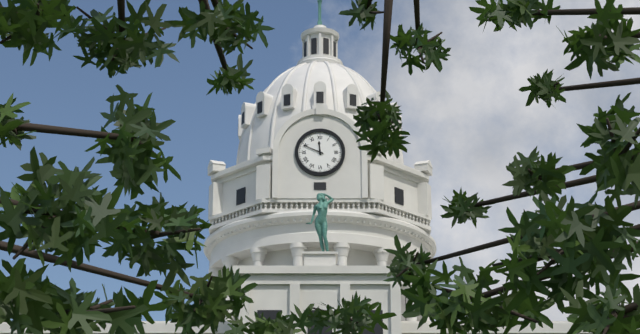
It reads 11,49
